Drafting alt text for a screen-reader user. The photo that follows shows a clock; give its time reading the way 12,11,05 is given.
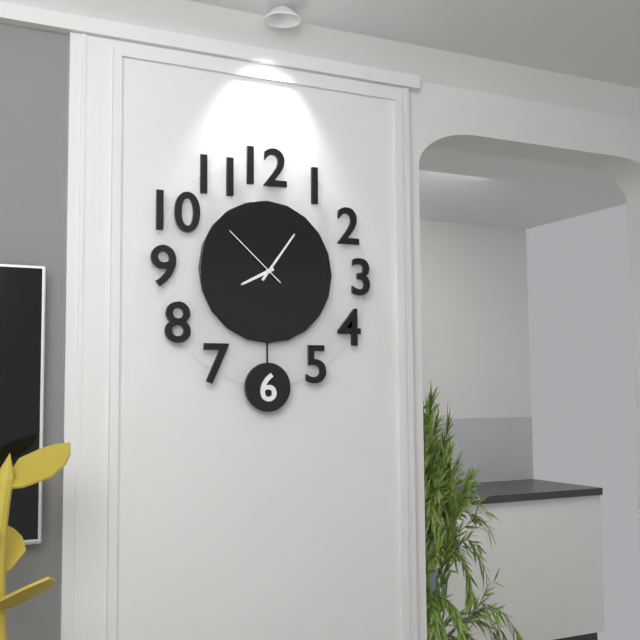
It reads 8,06,52
